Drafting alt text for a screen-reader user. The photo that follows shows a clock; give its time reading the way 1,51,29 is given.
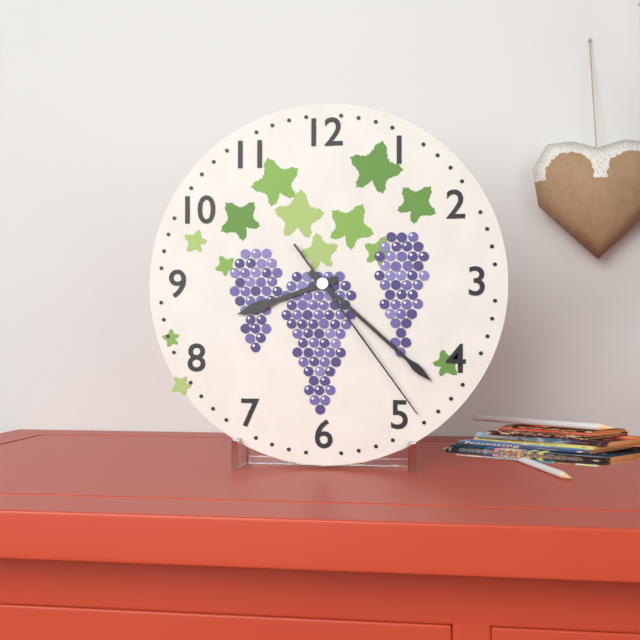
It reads 8,22,24
